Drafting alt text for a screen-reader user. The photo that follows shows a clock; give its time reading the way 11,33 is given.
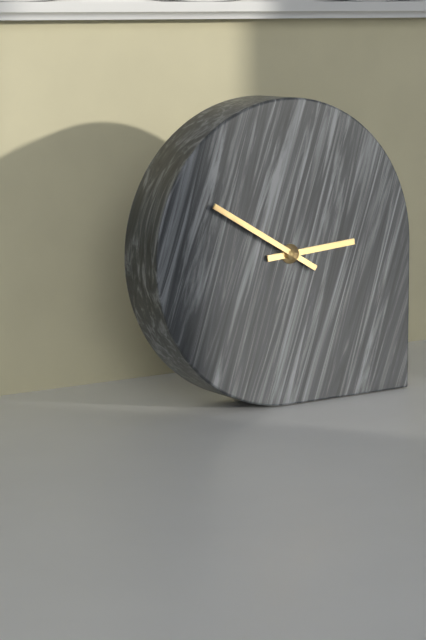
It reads 2,50
